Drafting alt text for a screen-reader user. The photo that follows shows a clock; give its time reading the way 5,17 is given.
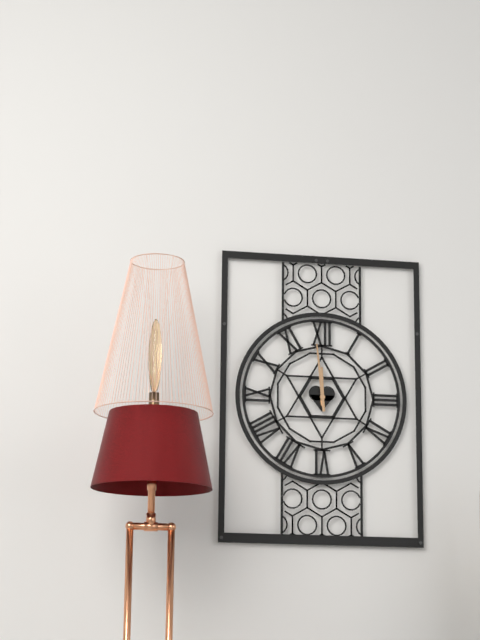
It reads 11,59
